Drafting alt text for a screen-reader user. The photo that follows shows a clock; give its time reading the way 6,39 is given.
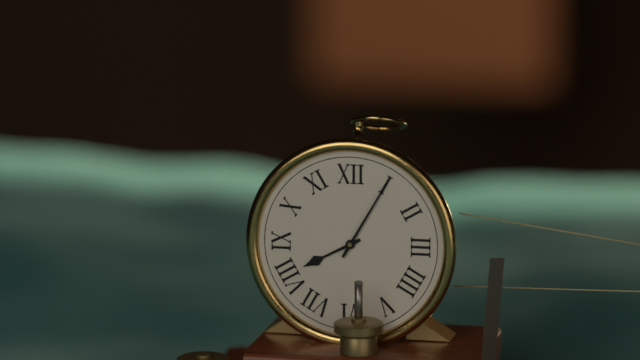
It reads 8,05
